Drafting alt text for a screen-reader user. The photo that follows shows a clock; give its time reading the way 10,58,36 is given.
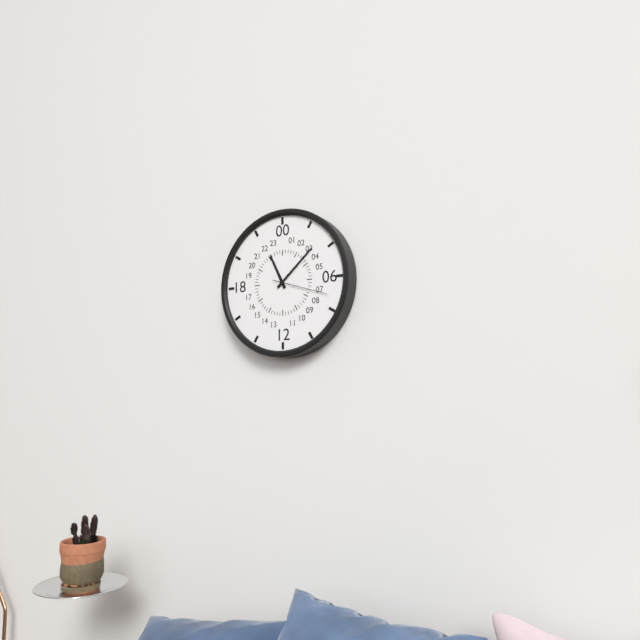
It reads 11,08,18
